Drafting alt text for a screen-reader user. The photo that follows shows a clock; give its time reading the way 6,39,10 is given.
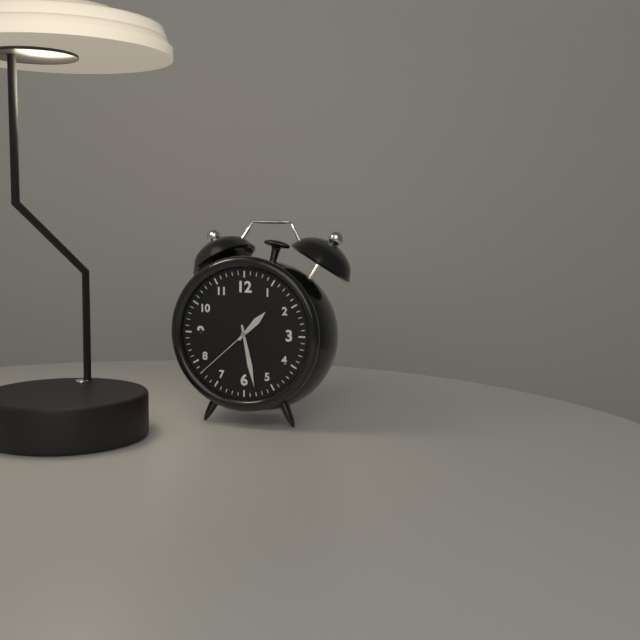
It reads 1,28,38
